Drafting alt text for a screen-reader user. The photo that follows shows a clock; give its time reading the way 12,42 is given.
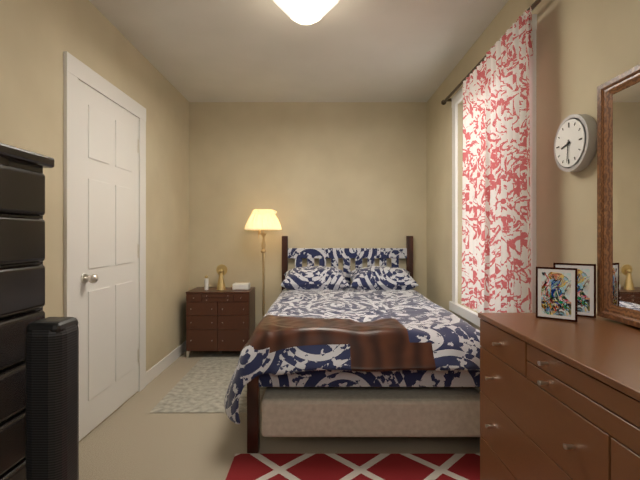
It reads 8,31
